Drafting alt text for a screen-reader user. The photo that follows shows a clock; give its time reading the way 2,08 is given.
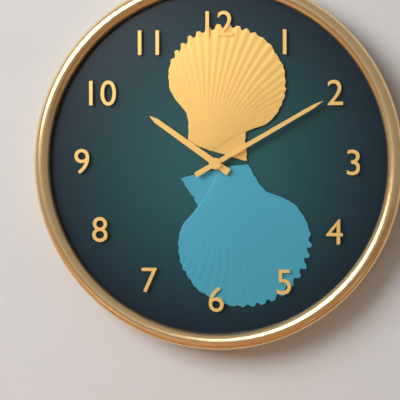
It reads 10,10
